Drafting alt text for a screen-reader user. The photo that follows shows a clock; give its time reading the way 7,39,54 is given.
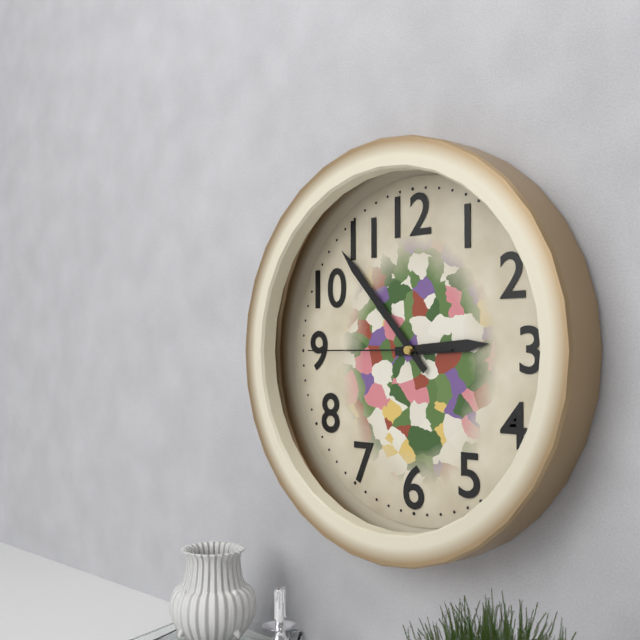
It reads 2,53,45
